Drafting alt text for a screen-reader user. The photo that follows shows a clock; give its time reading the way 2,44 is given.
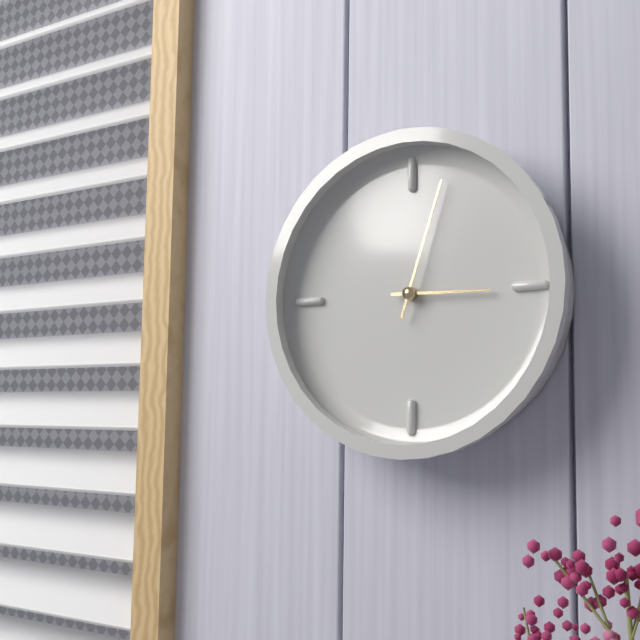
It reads 3,03
